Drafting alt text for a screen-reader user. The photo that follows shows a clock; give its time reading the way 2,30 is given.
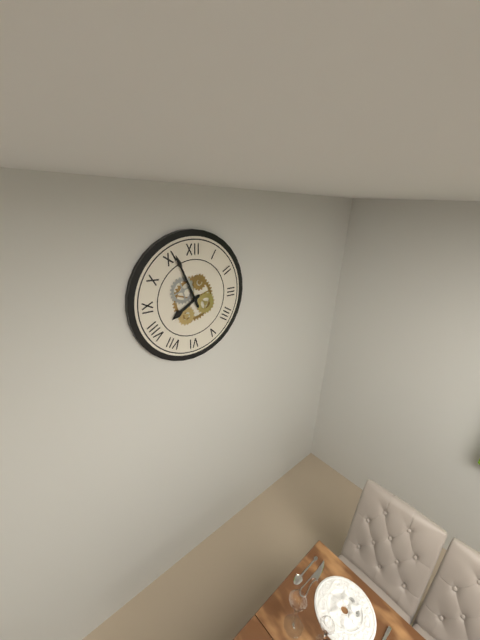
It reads 7,56
